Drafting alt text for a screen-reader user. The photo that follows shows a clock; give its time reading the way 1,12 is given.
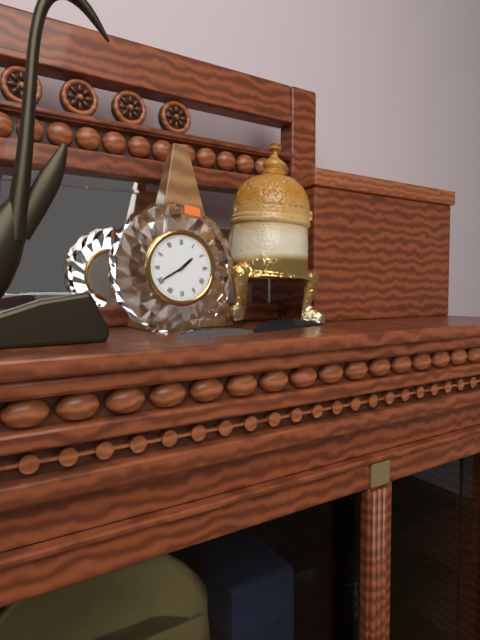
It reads 1,40
